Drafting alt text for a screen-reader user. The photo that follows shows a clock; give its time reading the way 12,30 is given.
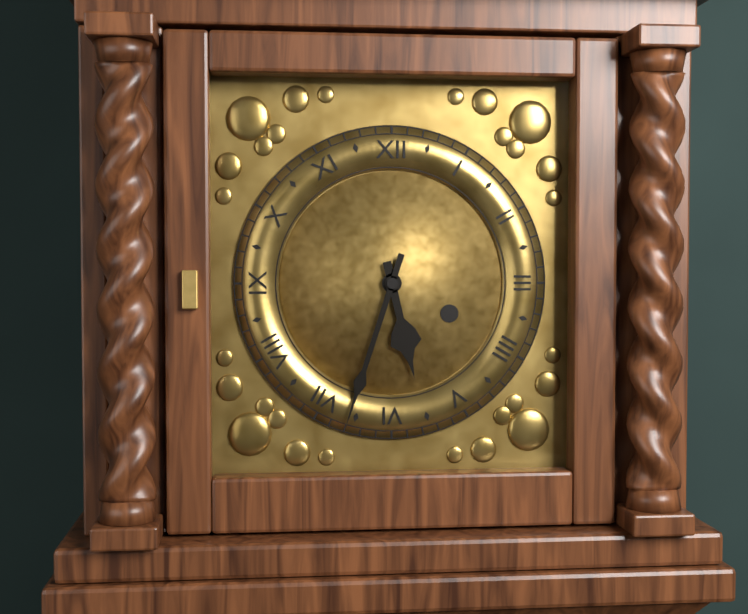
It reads 5,33
